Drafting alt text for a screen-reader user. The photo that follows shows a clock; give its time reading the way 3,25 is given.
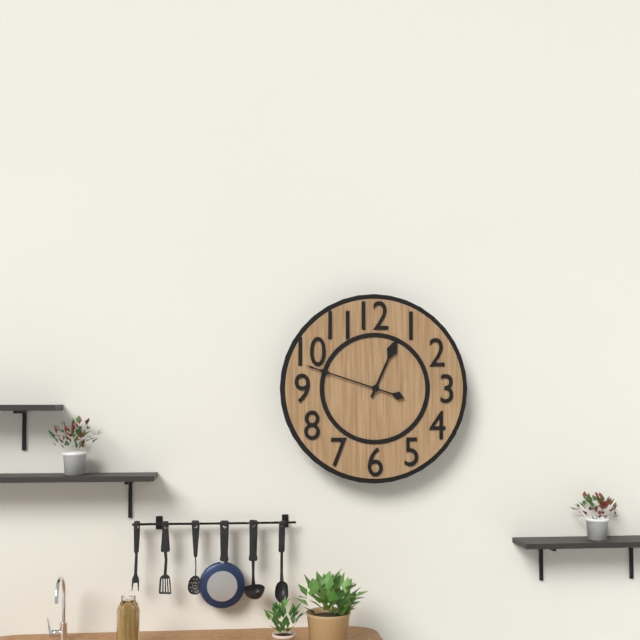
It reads 12,48
